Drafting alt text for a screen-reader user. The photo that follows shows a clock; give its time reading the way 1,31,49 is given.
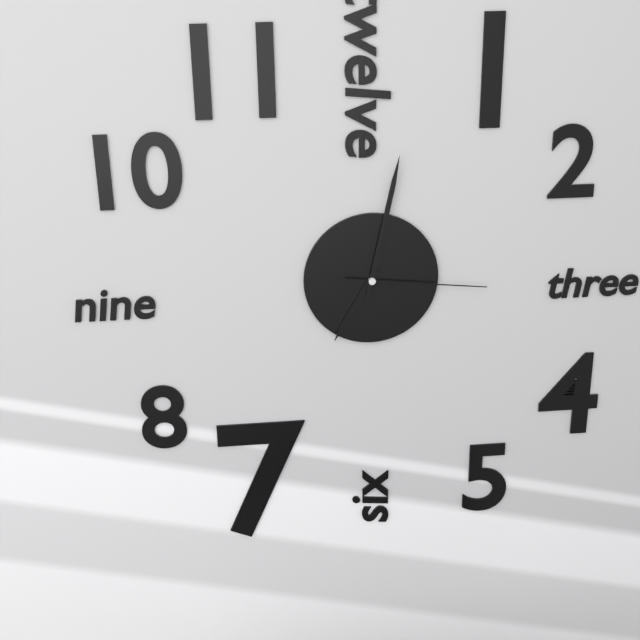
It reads 7,02,16
